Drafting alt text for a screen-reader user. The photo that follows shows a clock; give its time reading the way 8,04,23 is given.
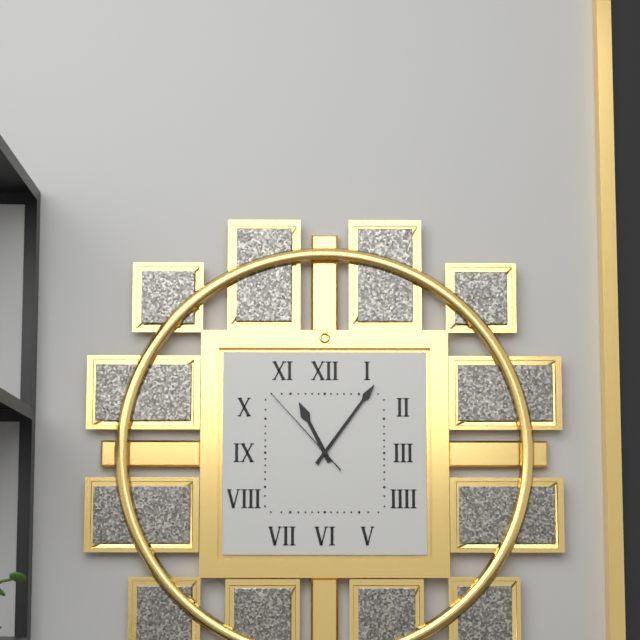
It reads 11,06,53
